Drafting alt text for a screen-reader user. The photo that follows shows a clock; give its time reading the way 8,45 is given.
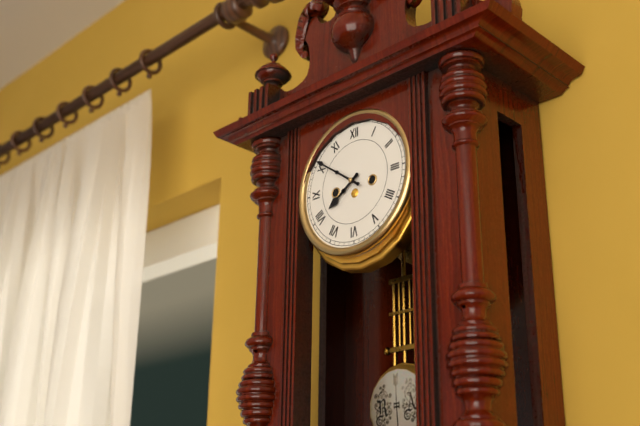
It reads 7,51
